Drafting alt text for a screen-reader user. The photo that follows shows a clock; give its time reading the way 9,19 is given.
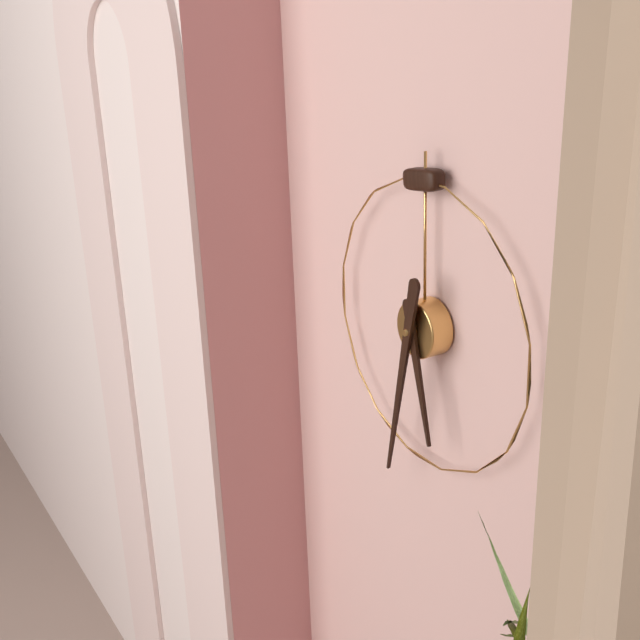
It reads 5,32
